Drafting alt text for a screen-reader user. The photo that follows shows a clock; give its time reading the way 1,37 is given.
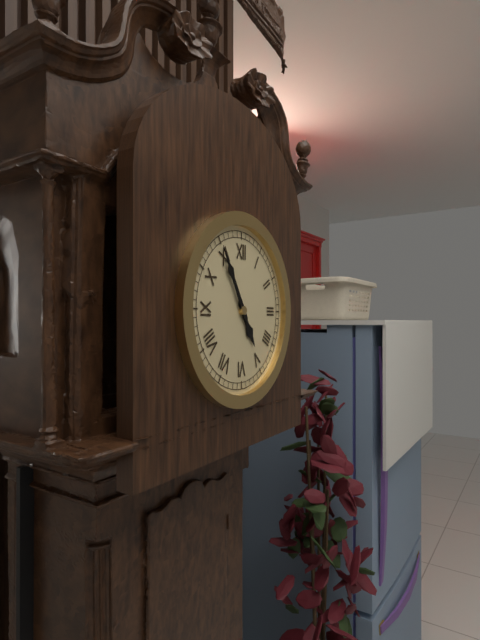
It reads 4,55
